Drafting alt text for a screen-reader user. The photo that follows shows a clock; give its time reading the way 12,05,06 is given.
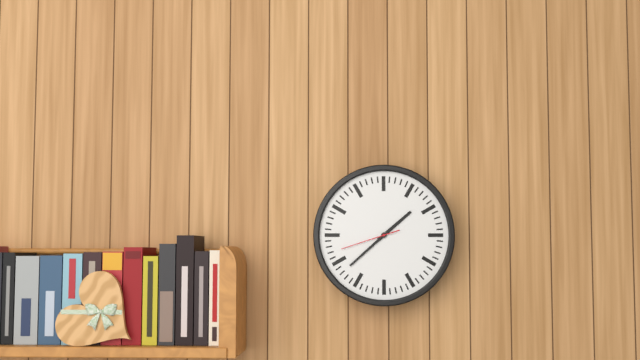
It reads 1,38,42
